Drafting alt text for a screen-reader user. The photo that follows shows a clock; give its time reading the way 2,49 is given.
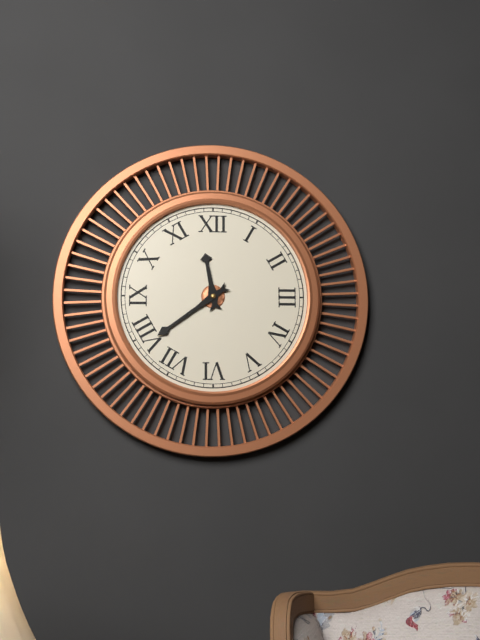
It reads 11,39
